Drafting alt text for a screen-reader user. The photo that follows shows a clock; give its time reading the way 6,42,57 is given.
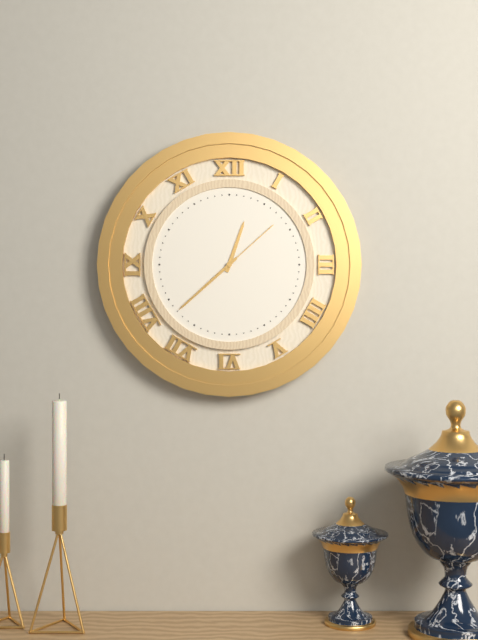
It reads 12,38,08
